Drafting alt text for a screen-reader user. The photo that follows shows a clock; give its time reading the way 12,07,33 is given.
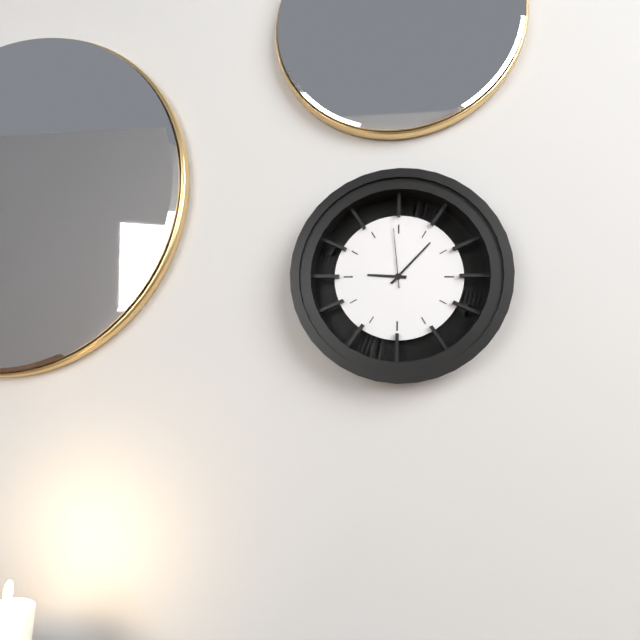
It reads 9,07,59
